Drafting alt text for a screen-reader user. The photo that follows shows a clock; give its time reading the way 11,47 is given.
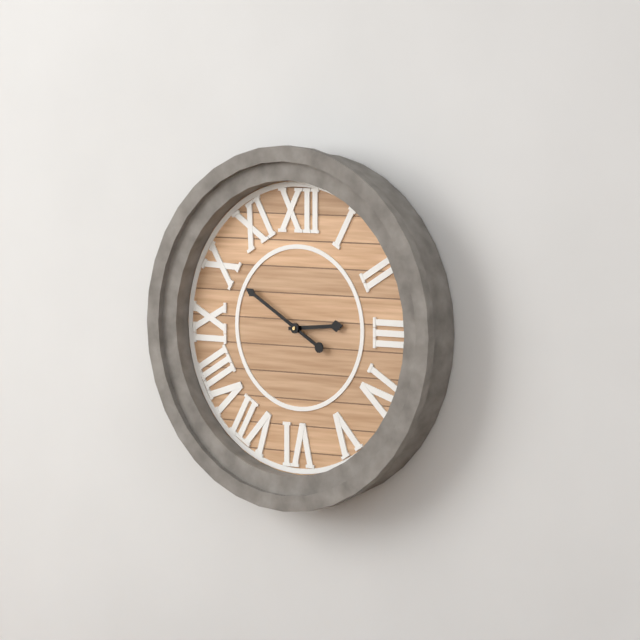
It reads 2,50
